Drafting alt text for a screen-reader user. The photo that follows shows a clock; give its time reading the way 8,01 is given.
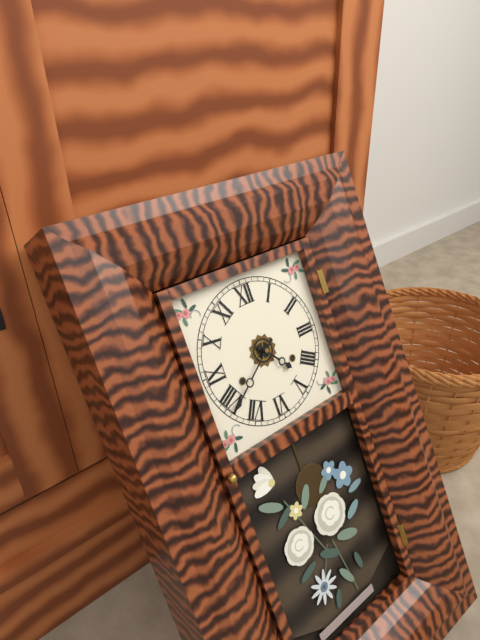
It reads 4,39
